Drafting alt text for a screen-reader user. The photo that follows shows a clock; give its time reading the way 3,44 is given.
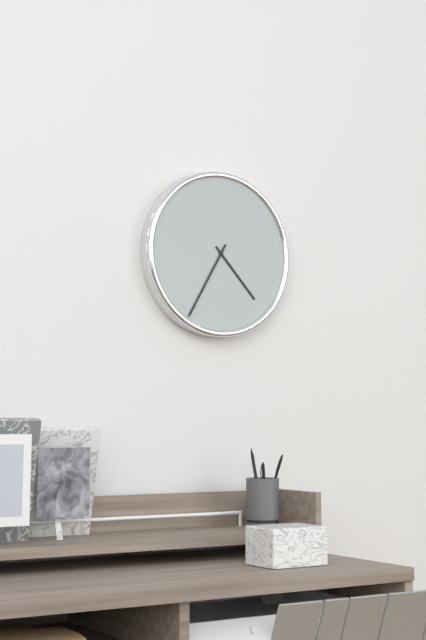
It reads 4,35
